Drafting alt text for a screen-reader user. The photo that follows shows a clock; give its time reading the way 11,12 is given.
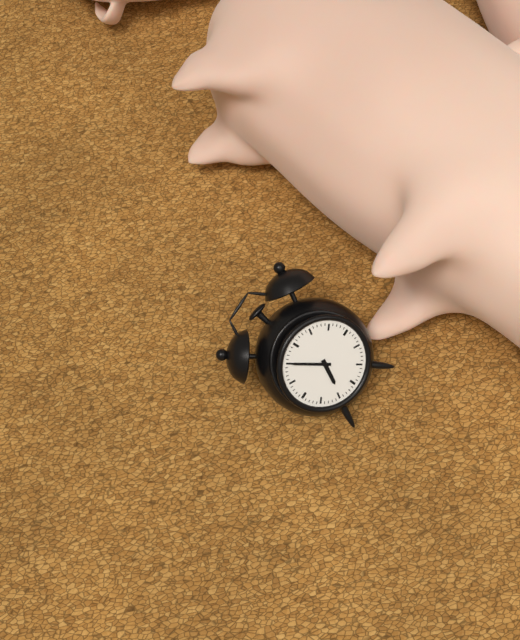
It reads 6,55
